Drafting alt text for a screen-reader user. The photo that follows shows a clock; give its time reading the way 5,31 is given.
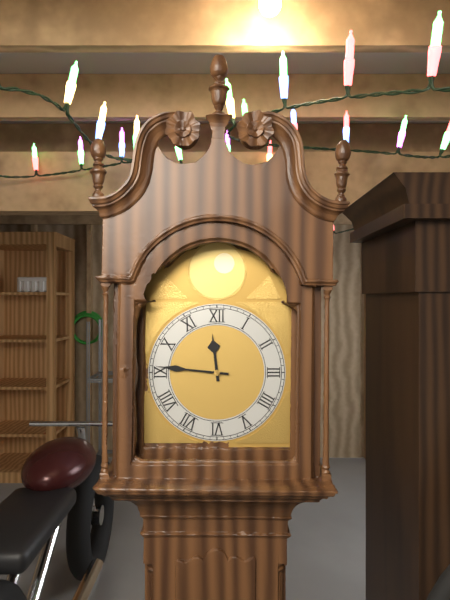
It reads 11,46
